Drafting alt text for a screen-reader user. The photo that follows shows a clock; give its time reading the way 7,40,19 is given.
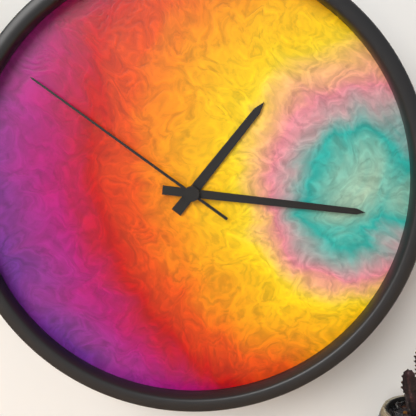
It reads 1,16,51
